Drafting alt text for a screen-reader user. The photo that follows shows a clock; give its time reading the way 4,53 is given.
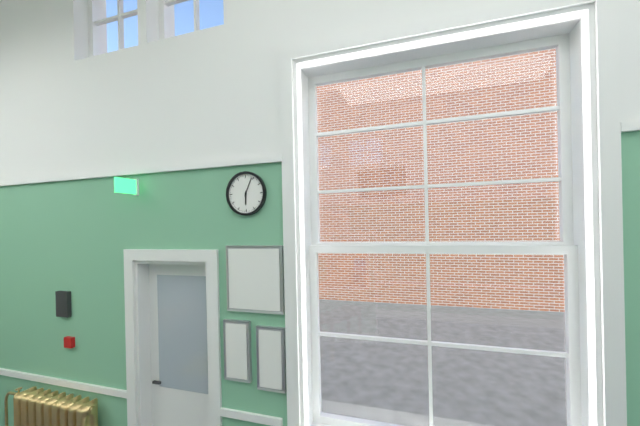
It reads 6,04
